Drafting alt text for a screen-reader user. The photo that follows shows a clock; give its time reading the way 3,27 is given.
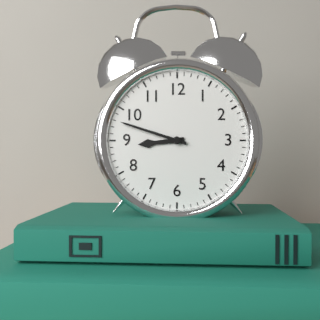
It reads 8,48
